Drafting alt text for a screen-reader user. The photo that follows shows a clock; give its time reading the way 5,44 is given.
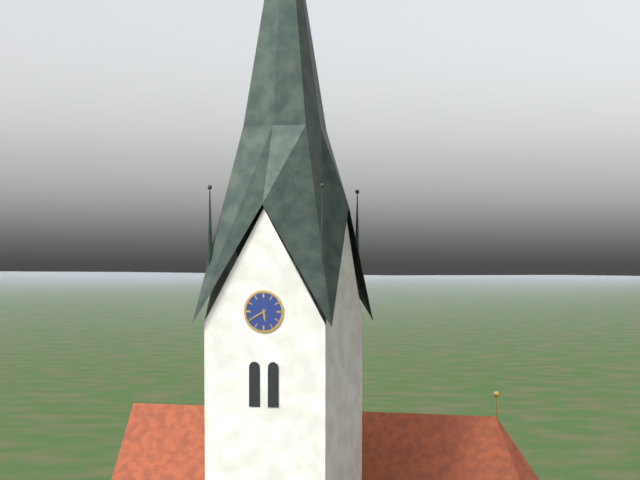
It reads 5,40
